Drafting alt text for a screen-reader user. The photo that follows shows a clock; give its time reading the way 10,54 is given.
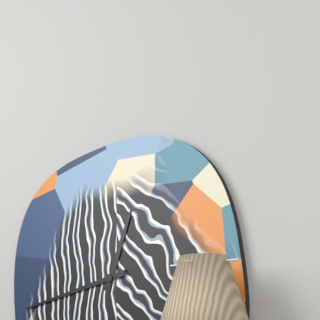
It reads 12,43
